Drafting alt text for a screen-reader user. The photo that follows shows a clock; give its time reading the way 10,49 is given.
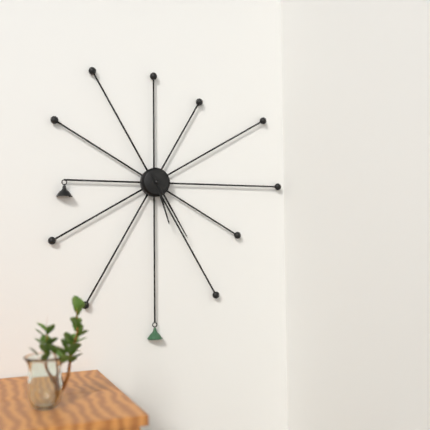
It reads 5,25
